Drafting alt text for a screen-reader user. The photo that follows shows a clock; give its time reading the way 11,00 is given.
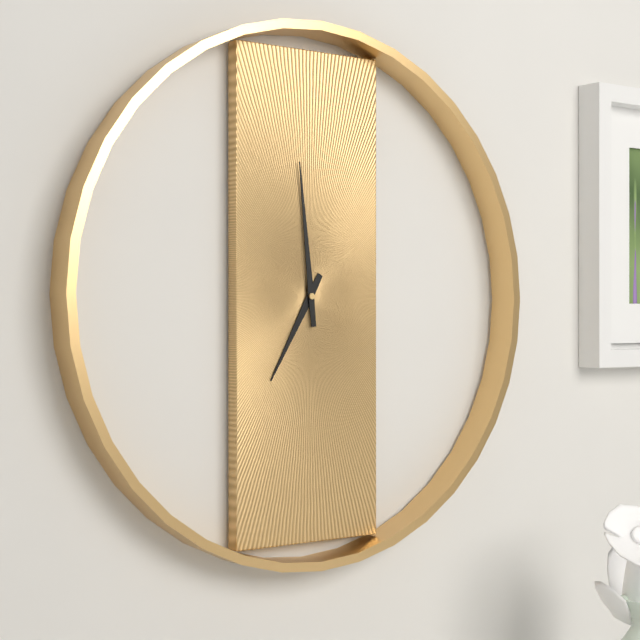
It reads 6,59
